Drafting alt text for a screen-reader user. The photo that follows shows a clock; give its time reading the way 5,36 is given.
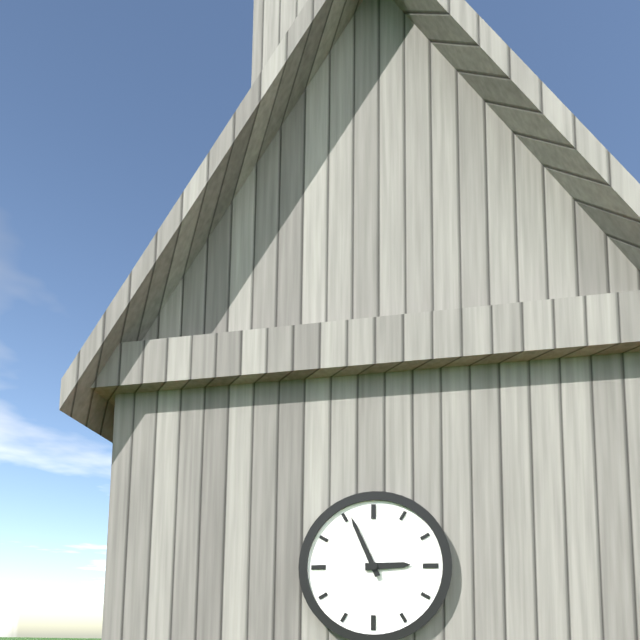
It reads 2,56
